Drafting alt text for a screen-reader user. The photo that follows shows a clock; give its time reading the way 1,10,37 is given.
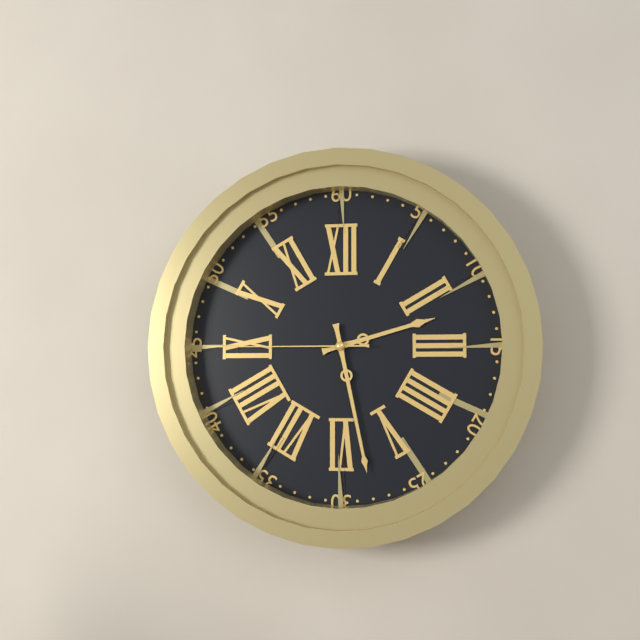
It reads 2,28,45
